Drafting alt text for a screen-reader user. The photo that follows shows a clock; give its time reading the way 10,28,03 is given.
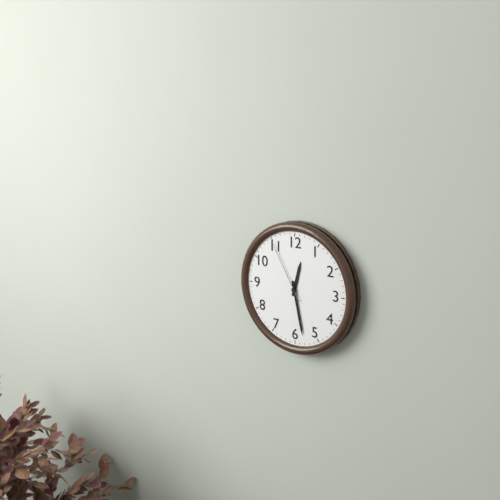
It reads 12,28,55
